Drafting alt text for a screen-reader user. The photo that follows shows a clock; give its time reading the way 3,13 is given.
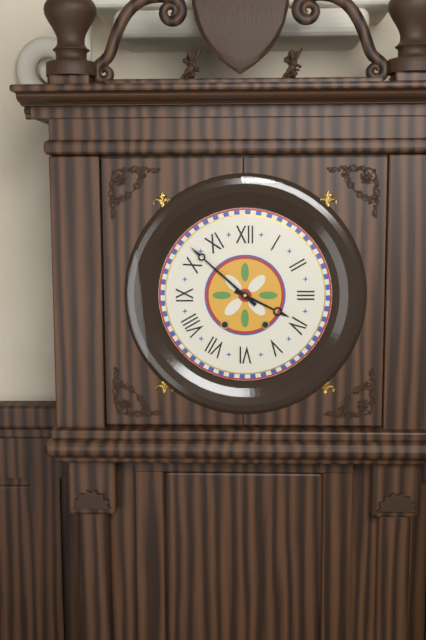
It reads 3,52
